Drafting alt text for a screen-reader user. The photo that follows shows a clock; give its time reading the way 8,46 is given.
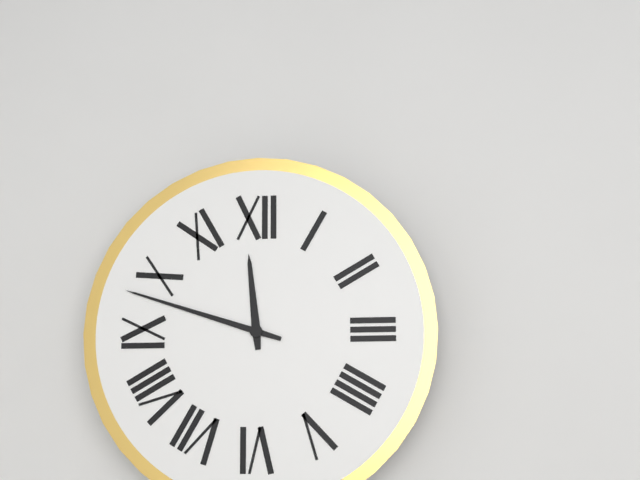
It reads 11,48
